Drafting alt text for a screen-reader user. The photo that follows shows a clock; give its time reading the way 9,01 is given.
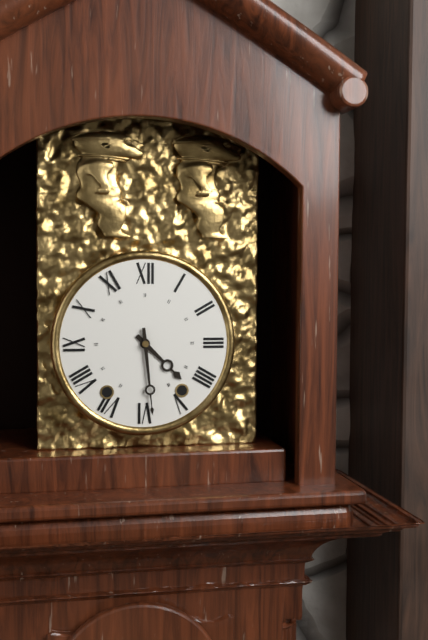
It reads 4,29
